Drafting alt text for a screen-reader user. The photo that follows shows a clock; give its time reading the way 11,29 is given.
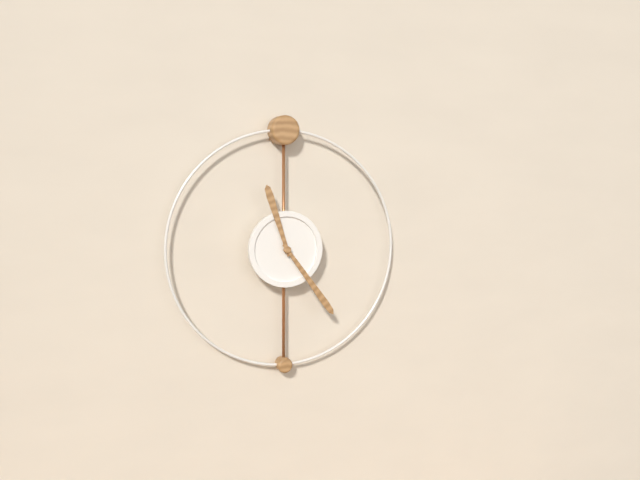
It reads 11,24
